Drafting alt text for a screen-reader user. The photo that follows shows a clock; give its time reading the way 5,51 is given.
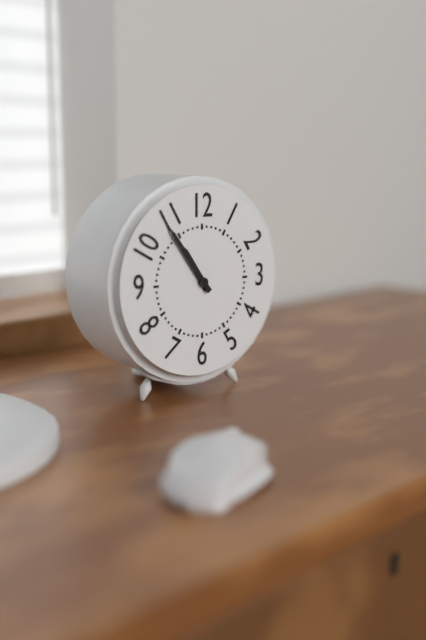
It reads 10,54
